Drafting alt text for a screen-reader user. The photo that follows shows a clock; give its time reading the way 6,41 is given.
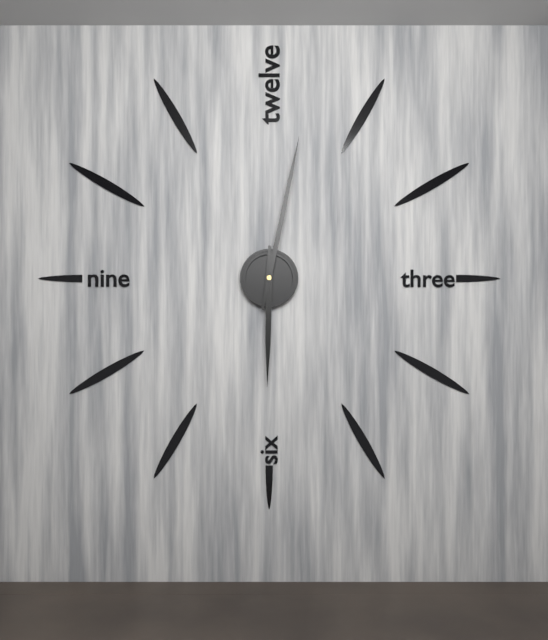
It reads 6,02
